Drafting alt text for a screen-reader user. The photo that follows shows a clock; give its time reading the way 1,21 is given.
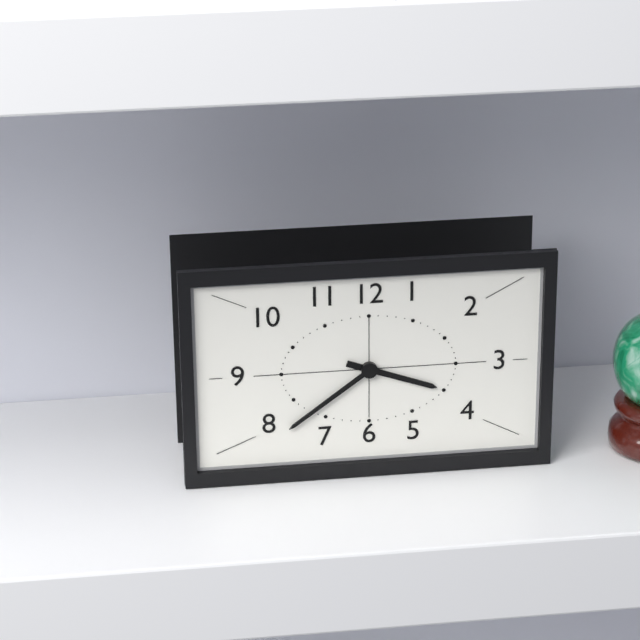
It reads 3,39
